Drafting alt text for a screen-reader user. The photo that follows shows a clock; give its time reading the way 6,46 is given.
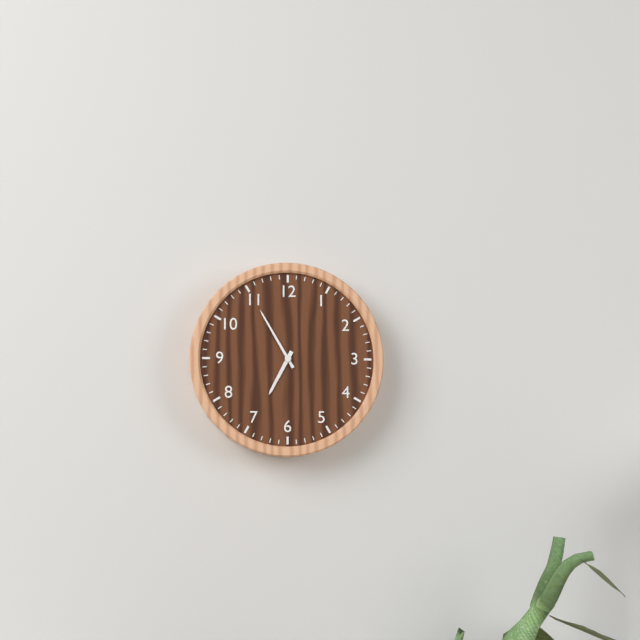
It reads 6,55
